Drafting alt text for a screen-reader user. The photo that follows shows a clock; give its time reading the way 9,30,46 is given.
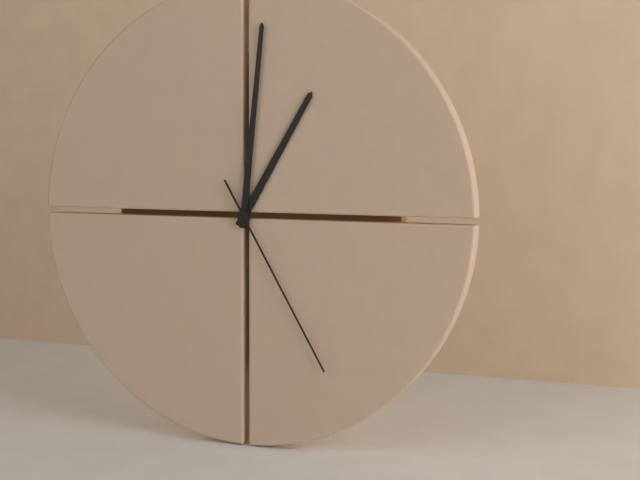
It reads 1,01,25
